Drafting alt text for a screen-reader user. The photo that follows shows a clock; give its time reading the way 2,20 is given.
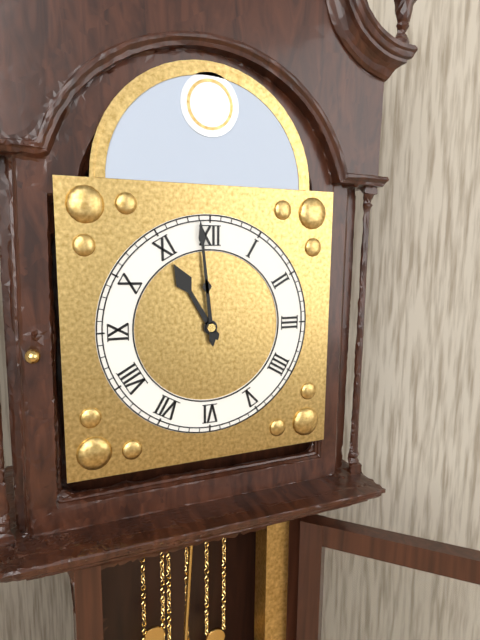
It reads 10,59
